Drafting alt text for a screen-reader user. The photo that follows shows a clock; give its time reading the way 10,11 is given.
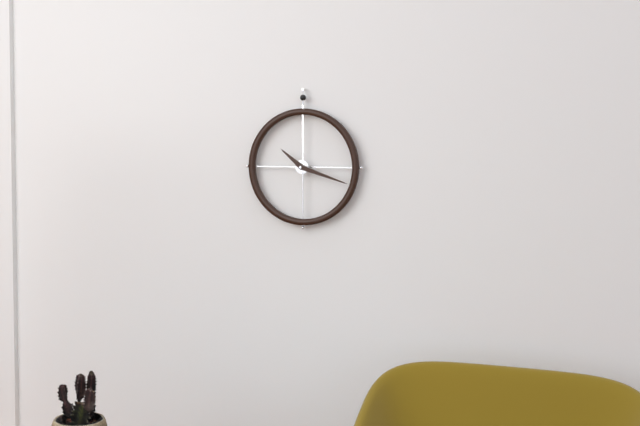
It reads 10,18
